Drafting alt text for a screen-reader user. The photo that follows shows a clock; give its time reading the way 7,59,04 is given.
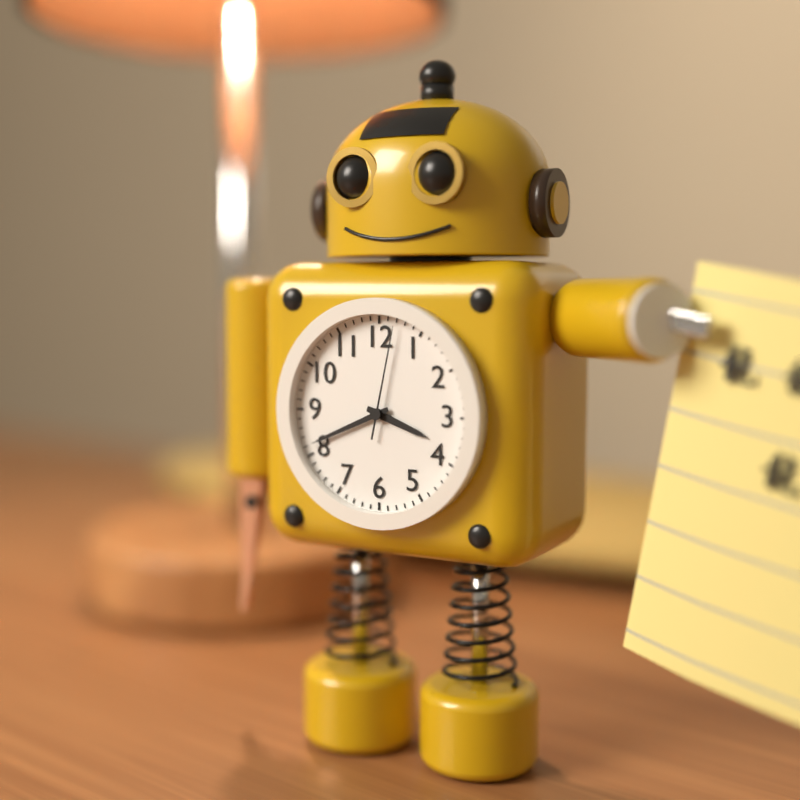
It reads 3,41,02
